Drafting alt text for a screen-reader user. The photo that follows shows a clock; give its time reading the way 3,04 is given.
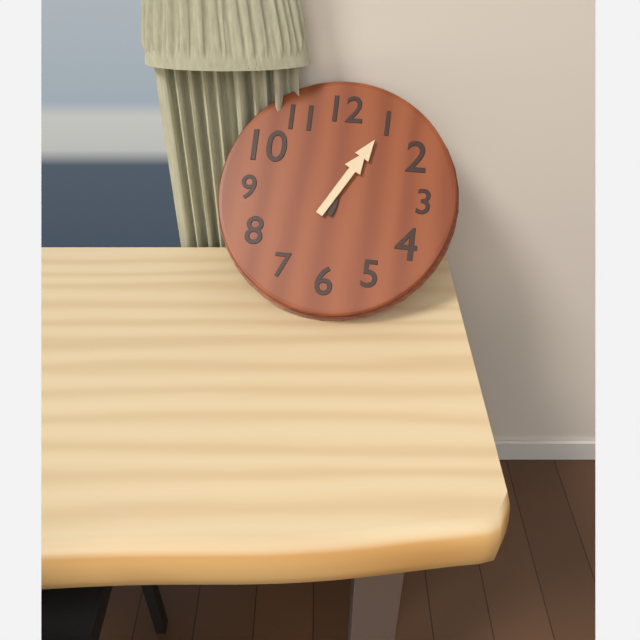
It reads 6,05
